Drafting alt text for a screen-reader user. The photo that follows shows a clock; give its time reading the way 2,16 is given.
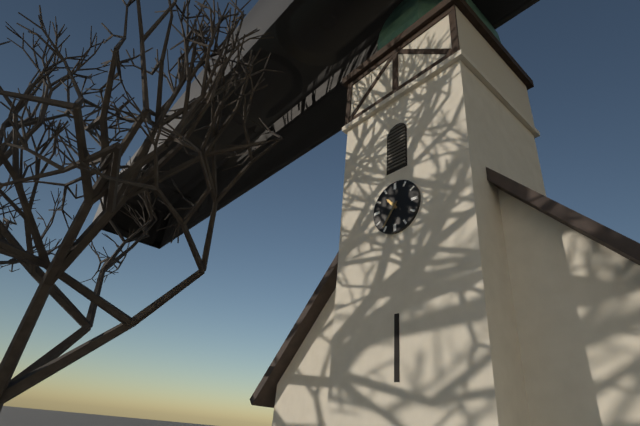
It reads 10,36
